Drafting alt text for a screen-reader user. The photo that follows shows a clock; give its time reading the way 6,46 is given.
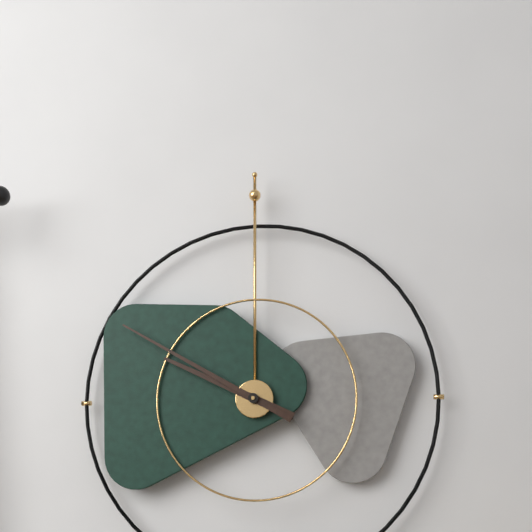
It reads 9,50
